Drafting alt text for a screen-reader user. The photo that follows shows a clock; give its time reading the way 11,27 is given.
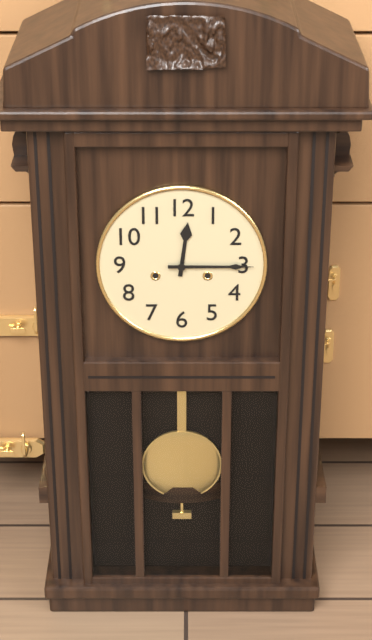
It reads 12,15
